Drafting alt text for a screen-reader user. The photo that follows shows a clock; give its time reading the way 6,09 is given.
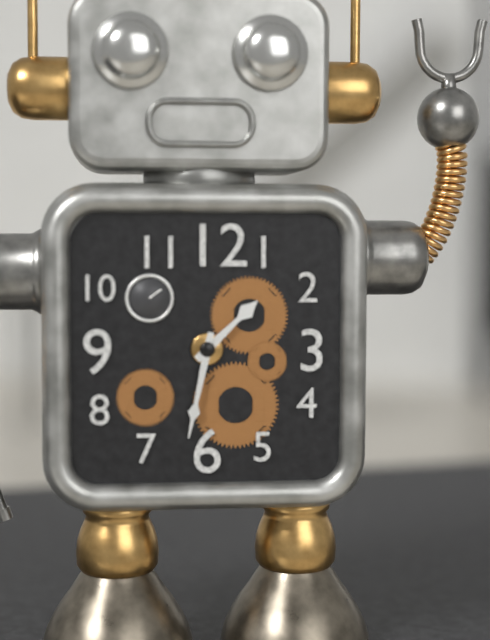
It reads 1,32
